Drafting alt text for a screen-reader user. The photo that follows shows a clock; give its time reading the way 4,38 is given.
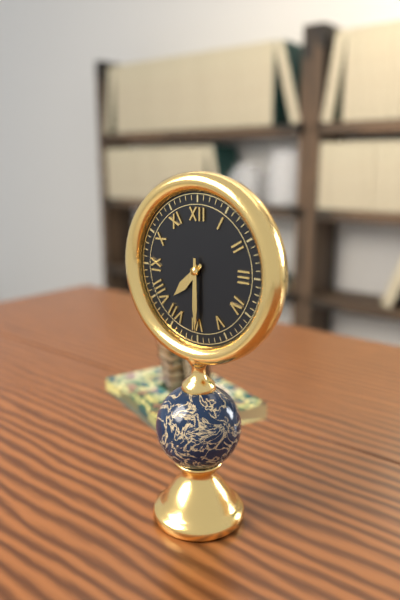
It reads 7,30
